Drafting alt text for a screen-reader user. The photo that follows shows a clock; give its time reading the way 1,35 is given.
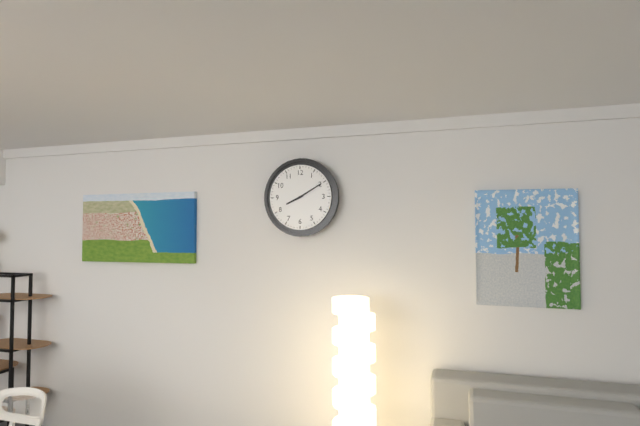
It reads 8,10
